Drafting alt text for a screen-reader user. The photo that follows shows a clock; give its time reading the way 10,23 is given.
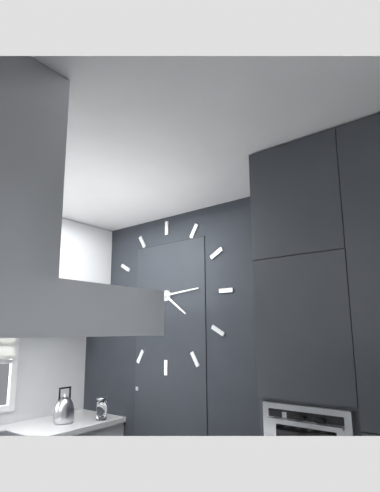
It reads 4,14
